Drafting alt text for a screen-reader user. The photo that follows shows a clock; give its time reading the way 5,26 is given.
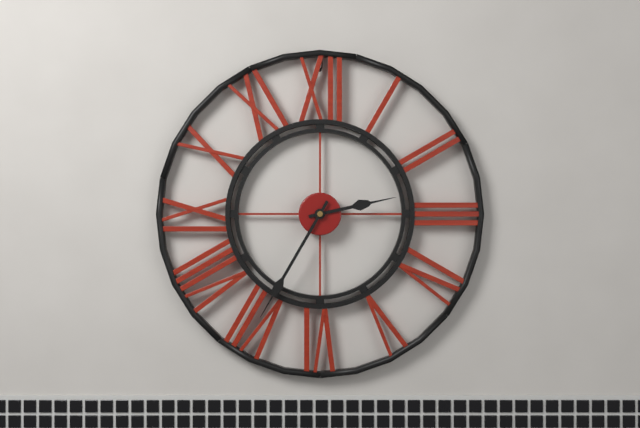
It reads 2,35
